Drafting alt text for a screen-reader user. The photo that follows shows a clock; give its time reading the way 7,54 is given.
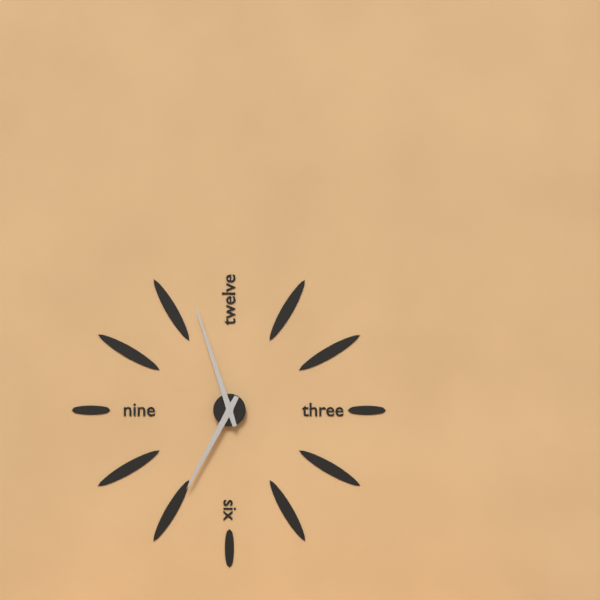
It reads 6,57
